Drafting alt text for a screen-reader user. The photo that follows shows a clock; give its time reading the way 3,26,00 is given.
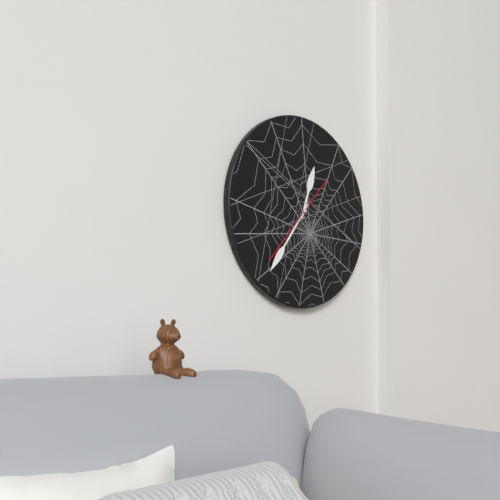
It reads 12,36,37
